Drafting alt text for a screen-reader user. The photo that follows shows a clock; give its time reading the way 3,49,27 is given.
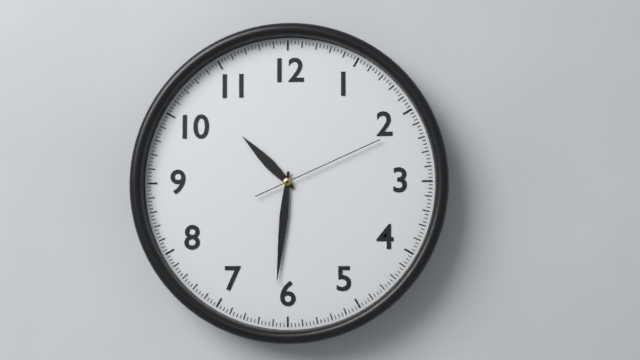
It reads 10,31,11
